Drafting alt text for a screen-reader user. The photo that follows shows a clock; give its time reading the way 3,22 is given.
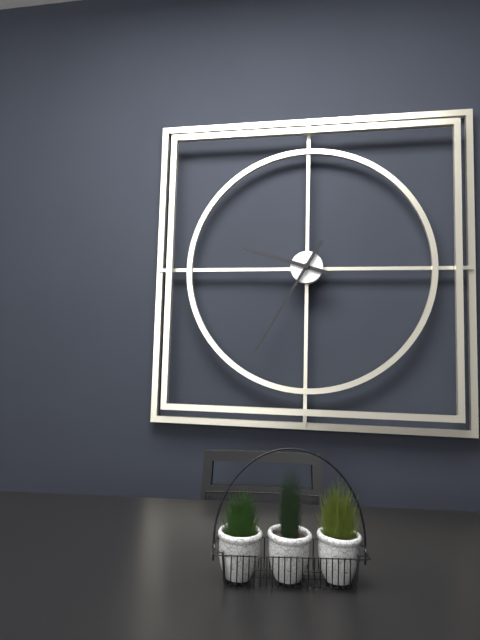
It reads 9,35
